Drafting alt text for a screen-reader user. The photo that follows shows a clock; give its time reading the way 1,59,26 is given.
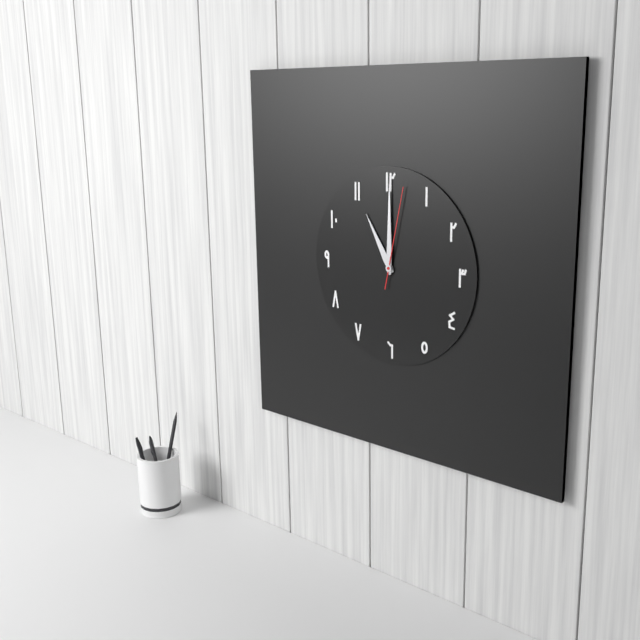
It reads 11,00,02
